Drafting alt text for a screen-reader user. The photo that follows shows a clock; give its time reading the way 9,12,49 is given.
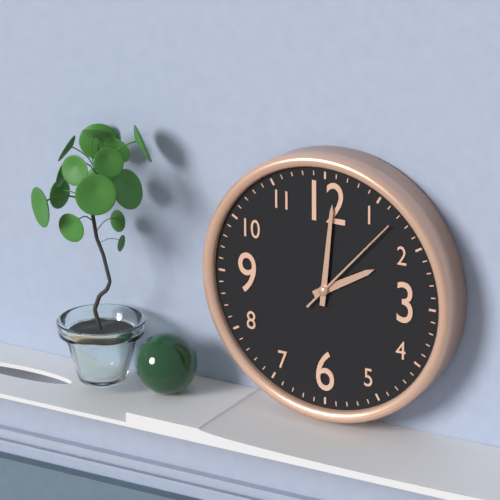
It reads 2,01,07
